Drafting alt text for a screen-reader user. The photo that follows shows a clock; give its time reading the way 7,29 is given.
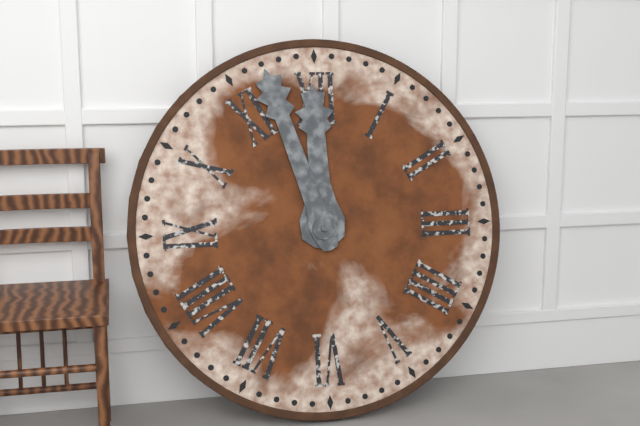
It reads 11,57
